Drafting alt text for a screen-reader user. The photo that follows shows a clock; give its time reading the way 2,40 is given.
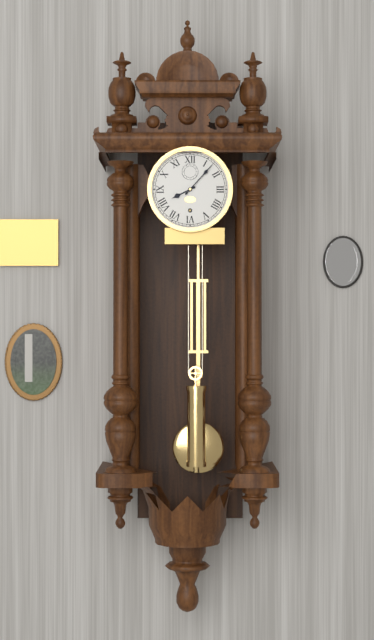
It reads 8,07
